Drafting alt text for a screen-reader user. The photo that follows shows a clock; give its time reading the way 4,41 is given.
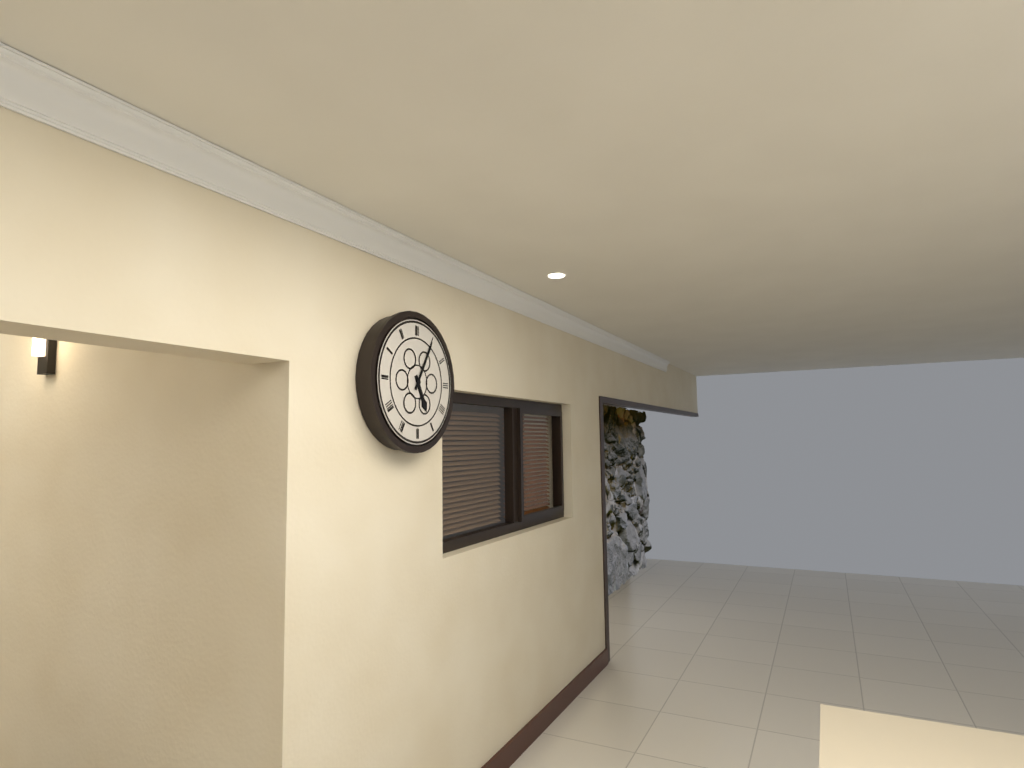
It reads 5,05
